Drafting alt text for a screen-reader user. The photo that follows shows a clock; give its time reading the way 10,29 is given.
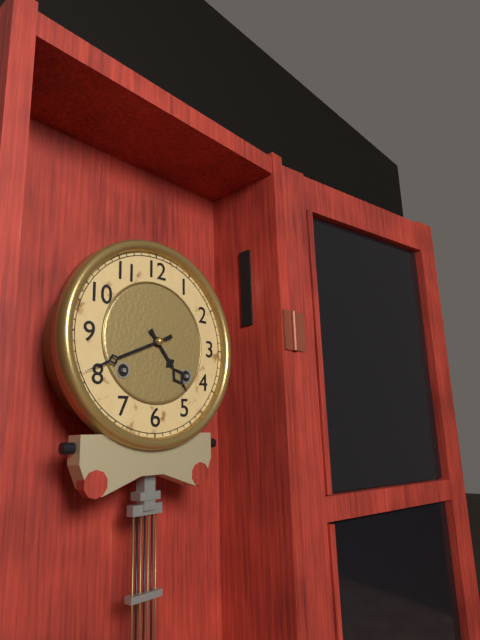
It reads 4,41
